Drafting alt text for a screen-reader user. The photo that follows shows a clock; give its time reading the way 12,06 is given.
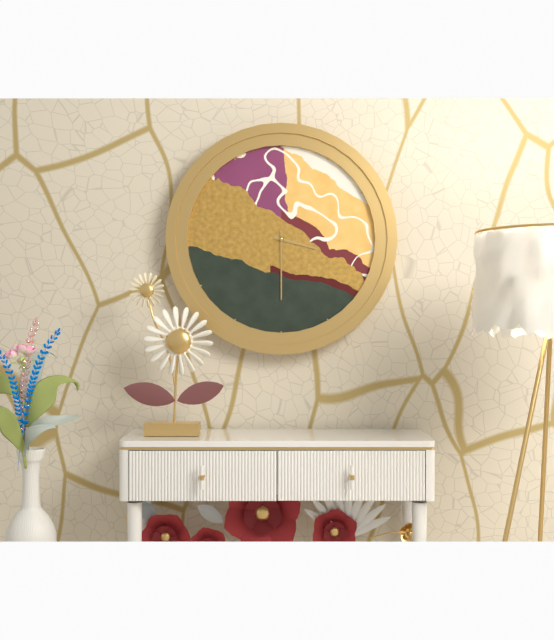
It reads 3,30
